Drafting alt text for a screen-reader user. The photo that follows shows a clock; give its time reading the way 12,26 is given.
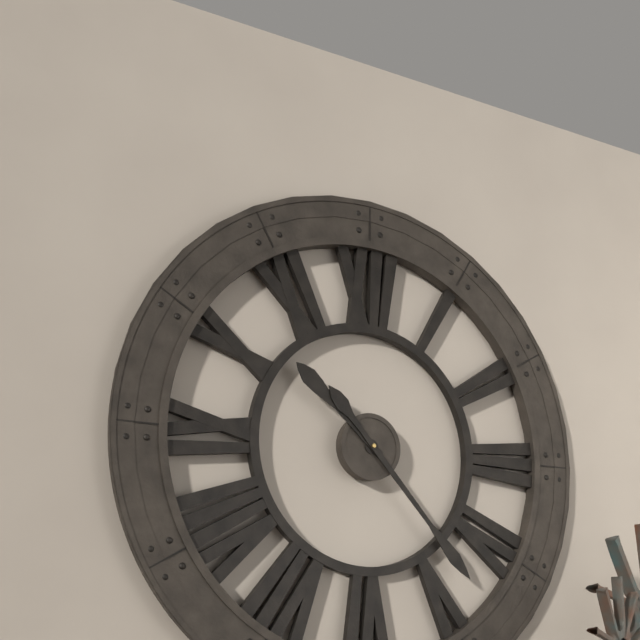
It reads 10,23
